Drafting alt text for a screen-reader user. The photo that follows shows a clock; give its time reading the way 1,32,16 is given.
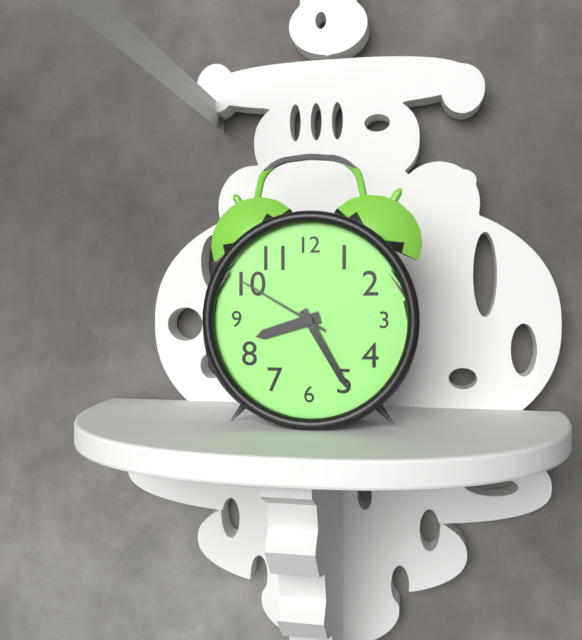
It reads 8,25,50
